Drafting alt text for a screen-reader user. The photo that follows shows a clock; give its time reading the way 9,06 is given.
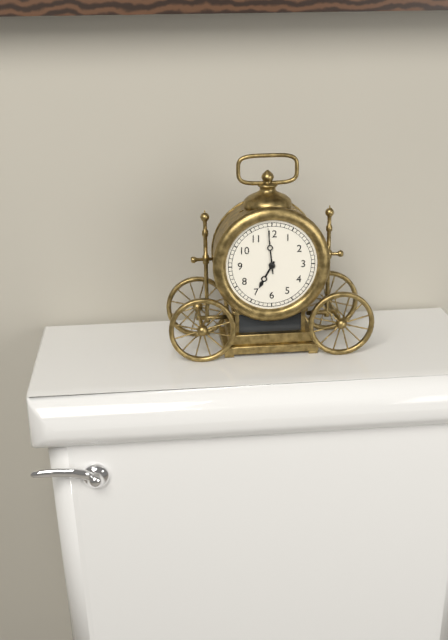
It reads 6,59
